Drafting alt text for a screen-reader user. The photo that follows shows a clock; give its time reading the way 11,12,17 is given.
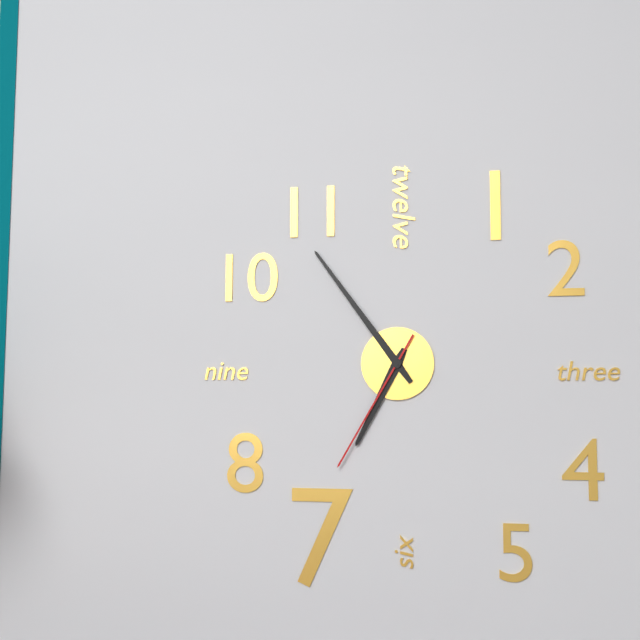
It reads 6,54,35
